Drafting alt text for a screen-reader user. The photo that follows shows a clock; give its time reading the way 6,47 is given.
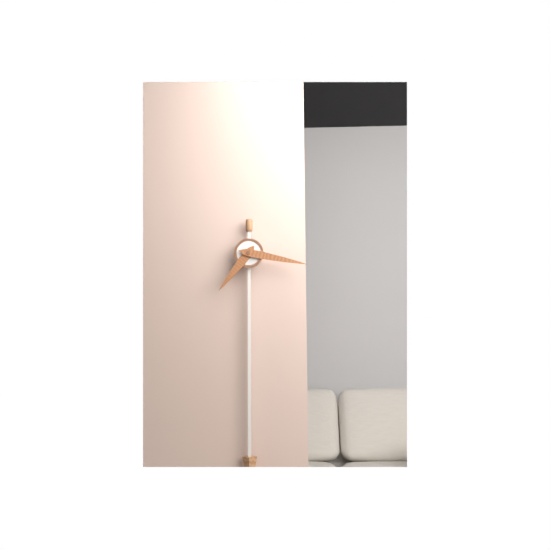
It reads 7,17
